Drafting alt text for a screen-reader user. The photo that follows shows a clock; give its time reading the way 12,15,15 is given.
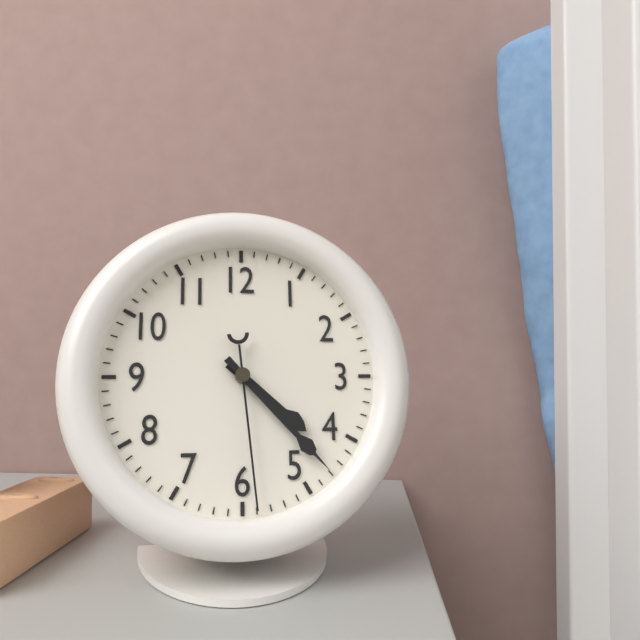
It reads 4,23,29
